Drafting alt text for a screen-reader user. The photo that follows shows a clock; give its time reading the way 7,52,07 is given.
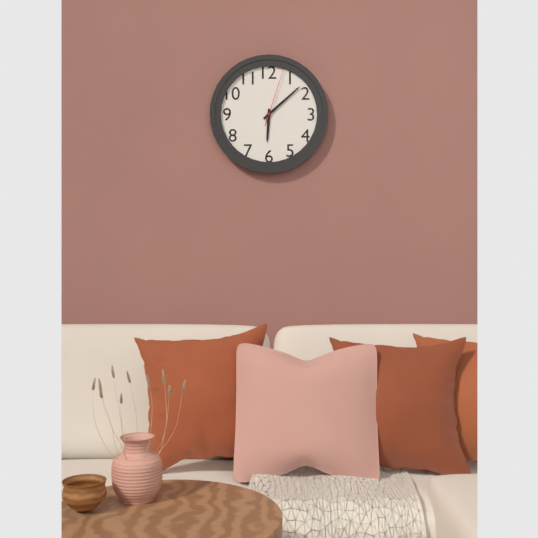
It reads 6,08,03
